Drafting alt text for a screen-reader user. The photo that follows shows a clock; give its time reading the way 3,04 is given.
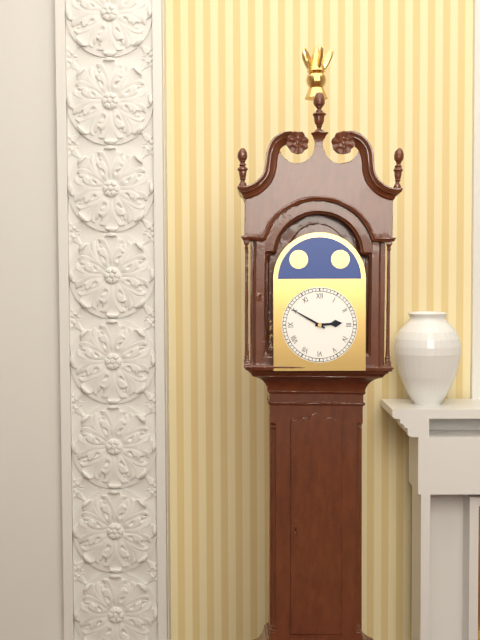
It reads 2,50
